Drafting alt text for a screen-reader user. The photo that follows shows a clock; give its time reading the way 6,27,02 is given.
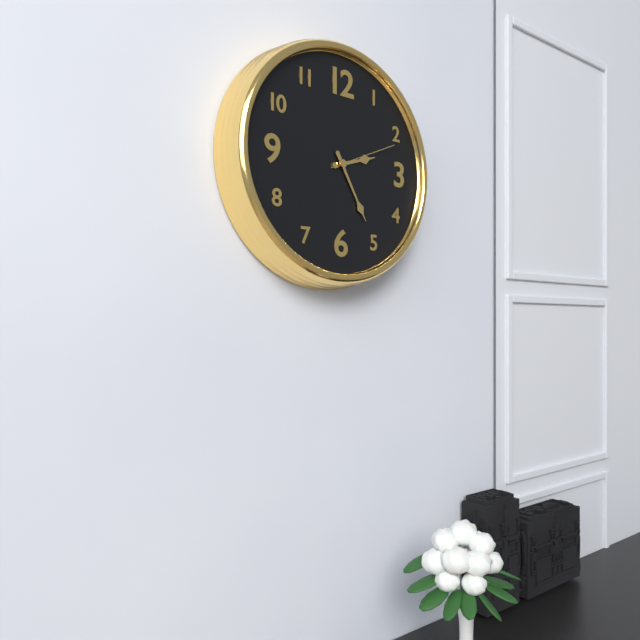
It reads 2,25,11
